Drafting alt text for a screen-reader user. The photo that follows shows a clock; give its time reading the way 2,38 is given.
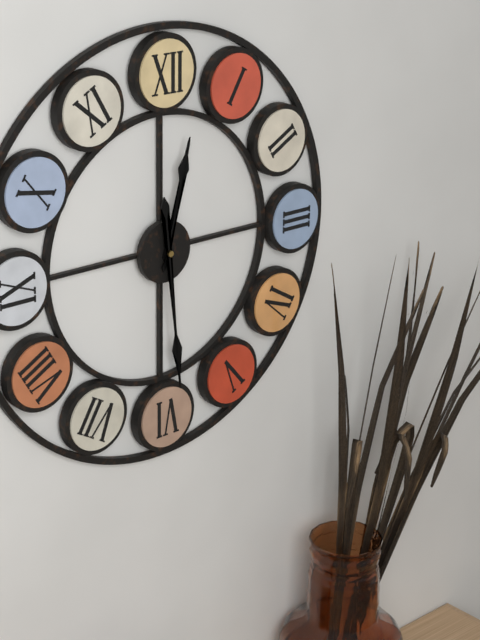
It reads 12,29
